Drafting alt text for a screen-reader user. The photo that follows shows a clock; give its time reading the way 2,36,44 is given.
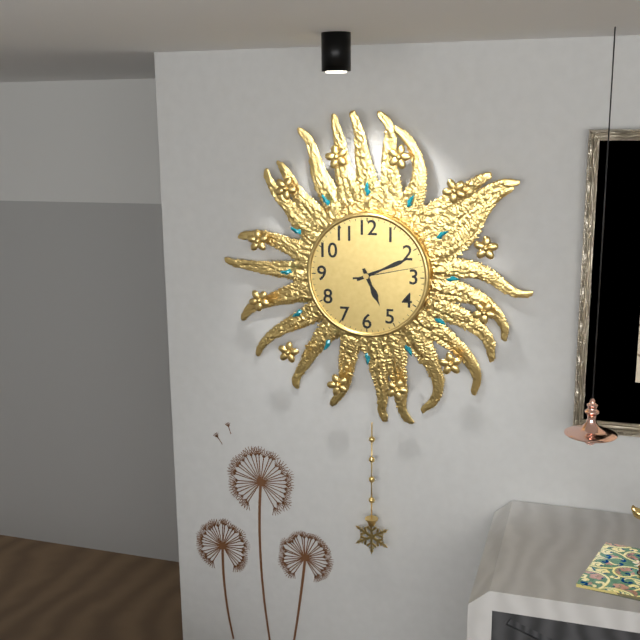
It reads 5,11,13
